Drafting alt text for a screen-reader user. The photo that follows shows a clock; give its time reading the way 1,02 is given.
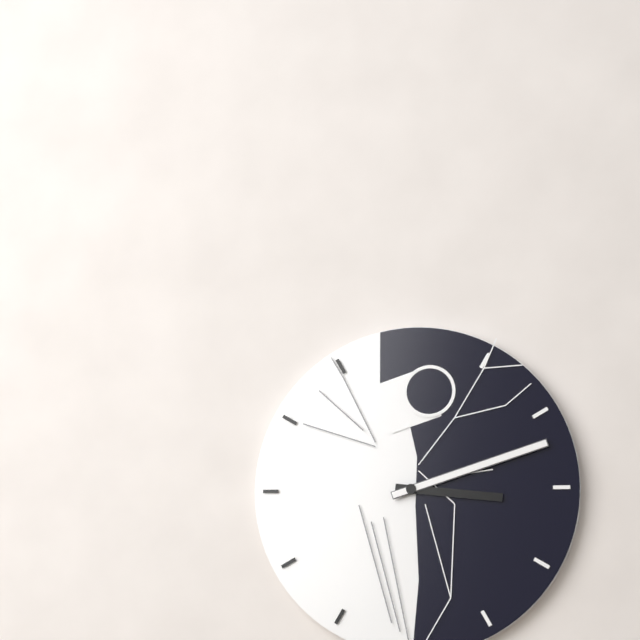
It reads 3,12
